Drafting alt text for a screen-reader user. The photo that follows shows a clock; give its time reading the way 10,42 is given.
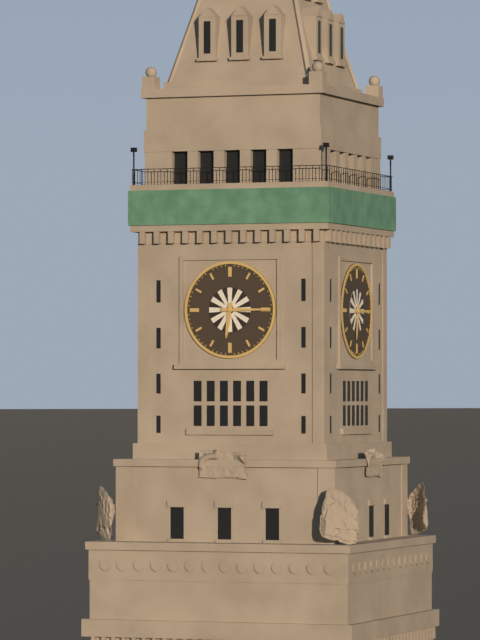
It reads 6,15
